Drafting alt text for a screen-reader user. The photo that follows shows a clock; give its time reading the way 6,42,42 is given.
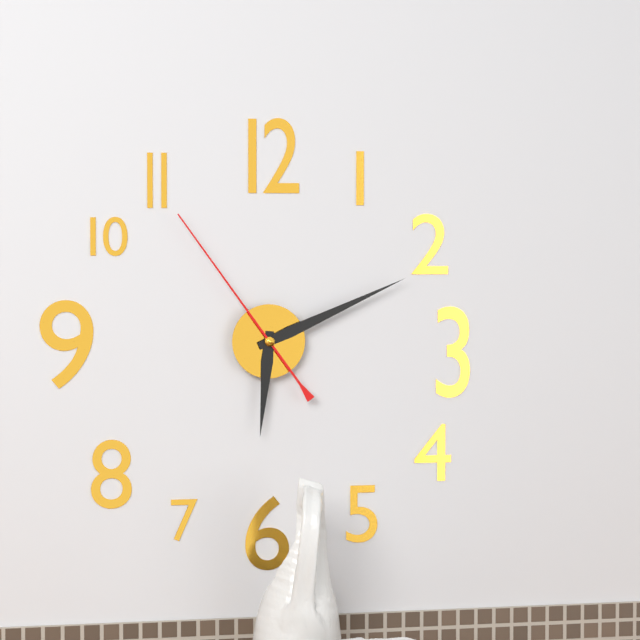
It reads 6,11,54
